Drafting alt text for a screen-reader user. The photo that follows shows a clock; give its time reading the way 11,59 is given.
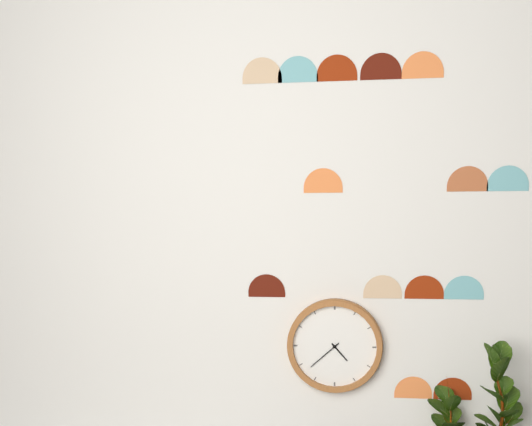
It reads 4,38
